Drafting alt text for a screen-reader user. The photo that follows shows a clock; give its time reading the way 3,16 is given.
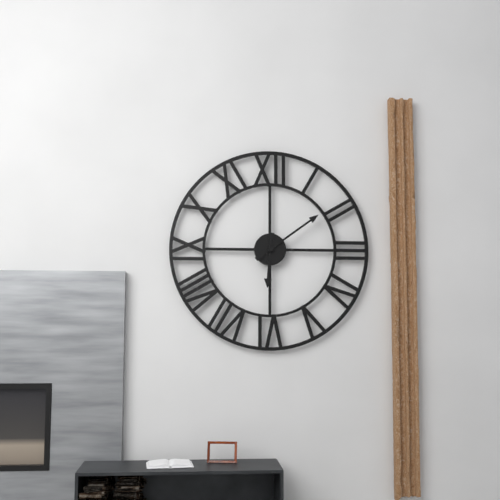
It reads 6,09
